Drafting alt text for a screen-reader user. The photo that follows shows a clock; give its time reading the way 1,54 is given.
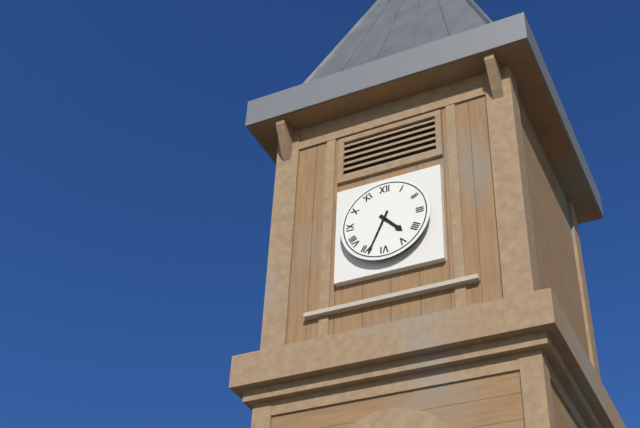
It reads 4,34
